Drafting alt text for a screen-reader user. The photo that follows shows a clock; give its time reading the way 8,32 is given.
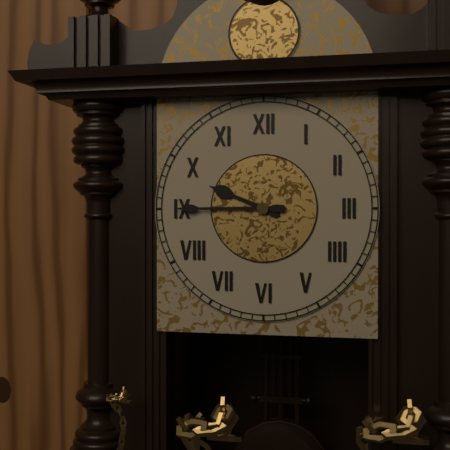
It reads 9,45
